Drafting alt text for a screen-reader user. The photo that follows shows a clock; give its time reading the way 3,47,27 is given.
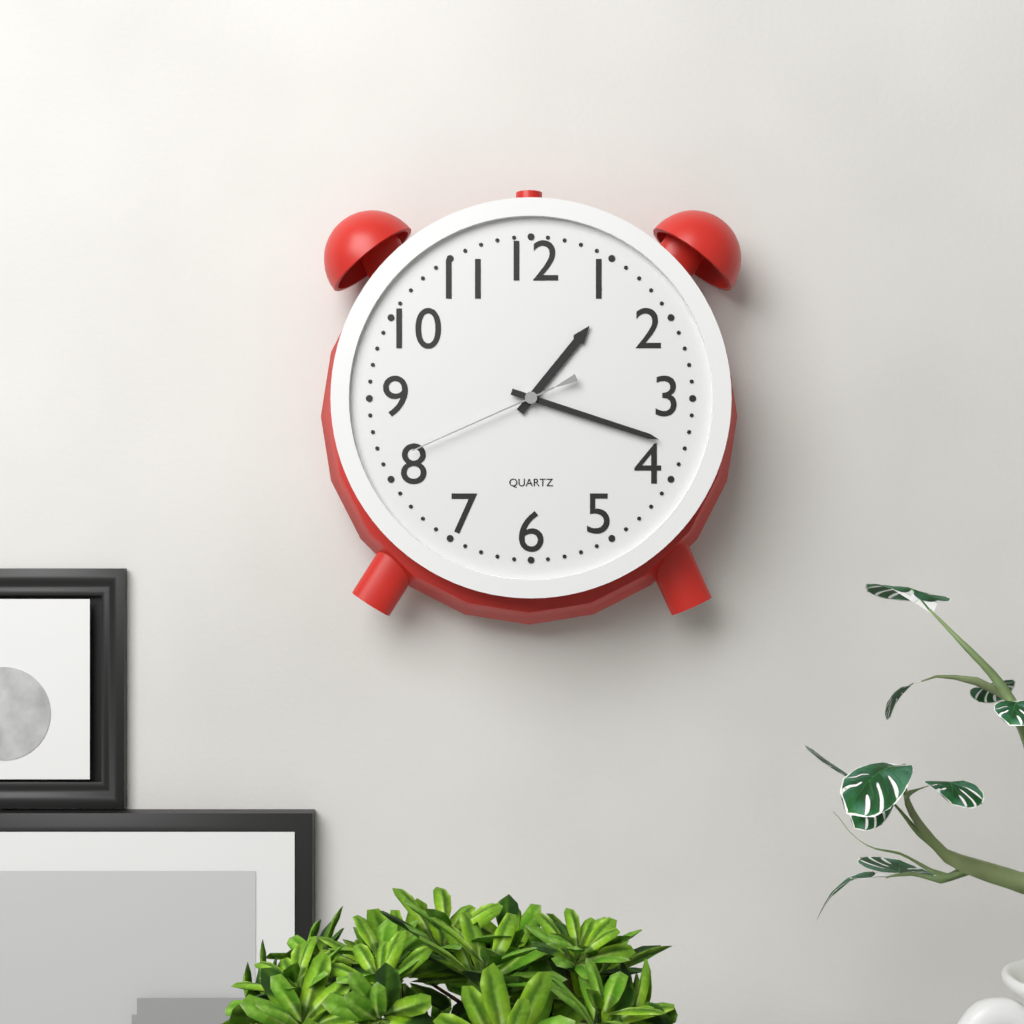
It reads 1,18,41
